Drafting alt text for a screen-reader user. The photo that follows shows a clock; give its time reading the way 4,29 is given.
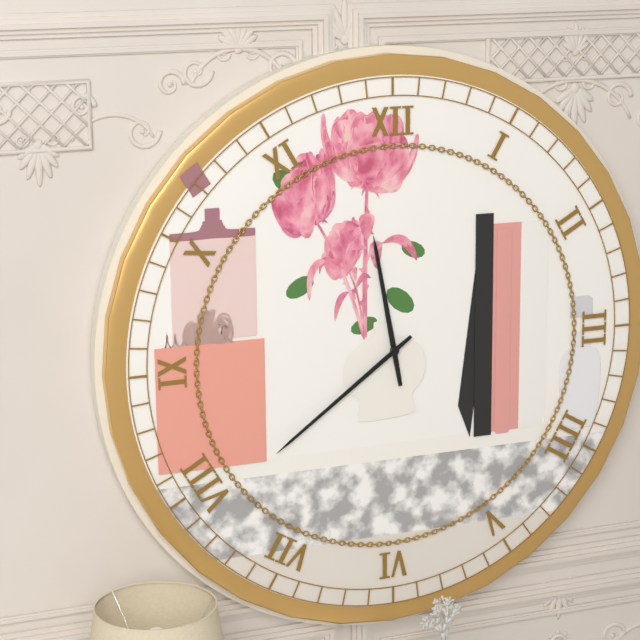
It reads 11,39
